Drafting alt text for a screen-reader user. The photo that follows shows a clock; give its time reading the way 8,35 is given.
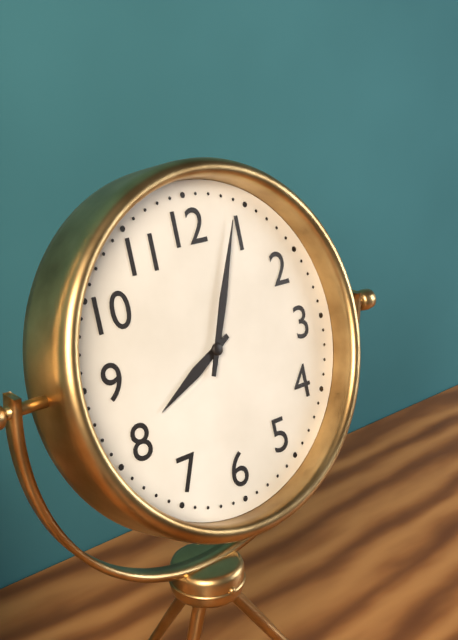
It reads 8,04
